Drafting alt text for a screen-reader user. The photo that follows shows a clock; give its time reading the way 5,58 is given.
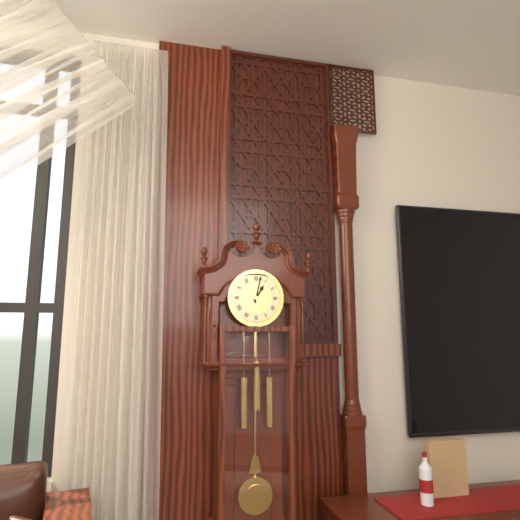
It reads 1,02
